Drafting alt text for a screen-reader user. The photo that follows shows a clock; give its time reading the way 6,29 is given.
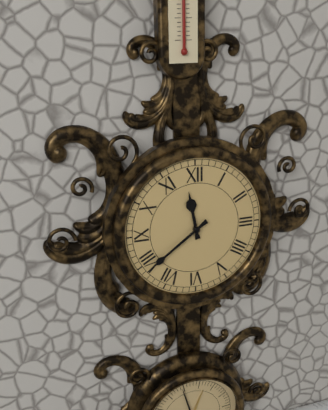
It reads 11,39
